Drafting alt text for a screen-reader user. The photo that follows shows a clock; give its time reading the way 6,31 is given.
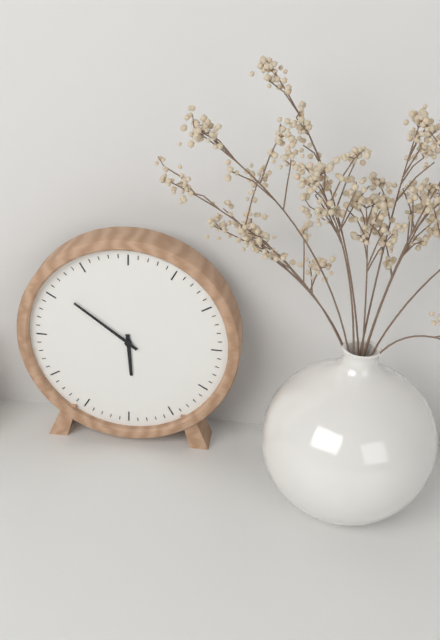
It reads 5,51
